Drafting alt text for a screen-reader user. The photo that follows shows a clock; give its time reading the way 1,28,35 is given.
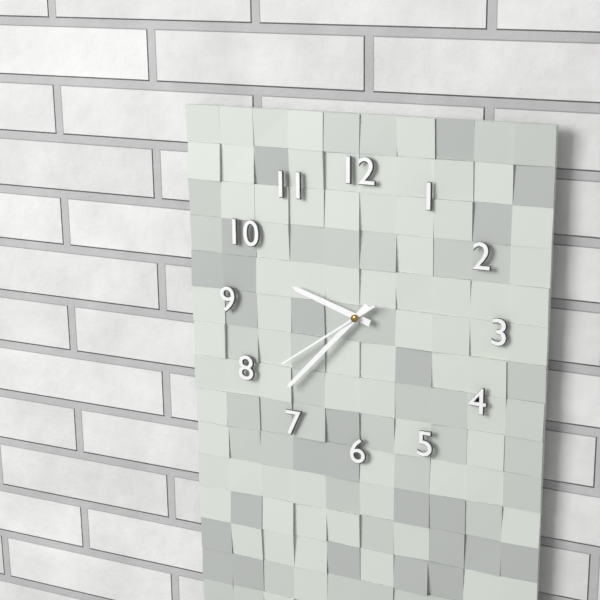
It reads 9,37,39
